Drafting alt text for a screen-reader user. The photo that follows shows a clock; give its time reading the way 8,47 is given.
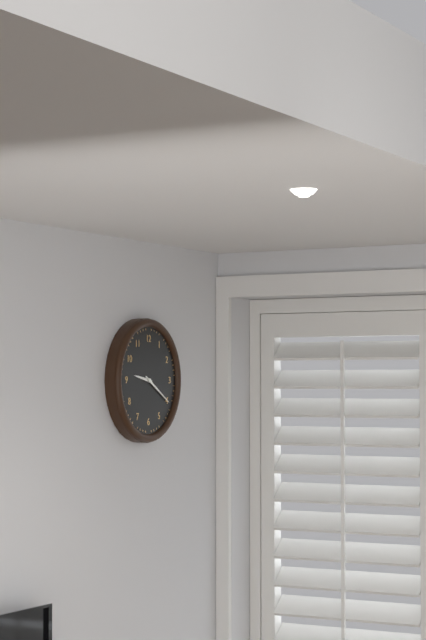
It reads 9,20
